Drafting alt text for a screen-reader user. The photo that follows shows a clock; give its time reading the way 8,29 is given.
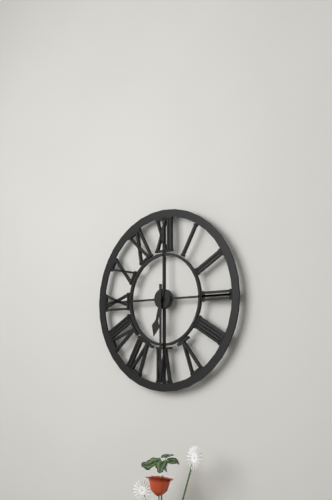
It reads 6,30
